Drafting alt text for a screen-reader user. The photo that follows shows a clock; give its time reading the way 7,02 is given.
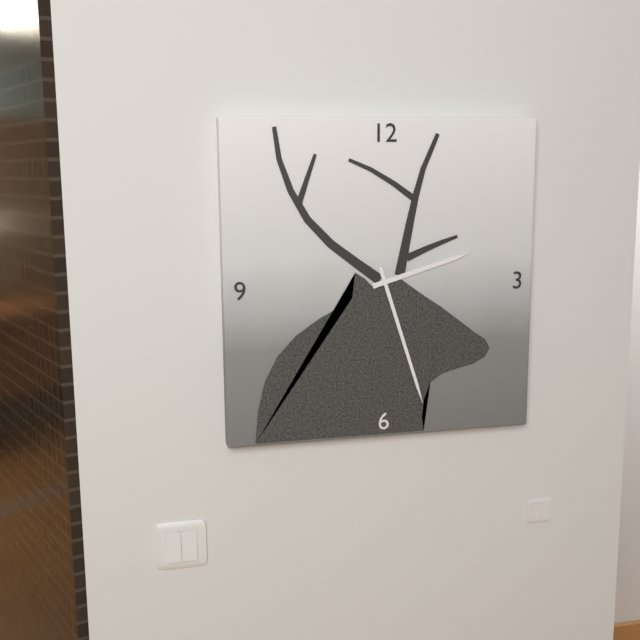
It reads 2,27
